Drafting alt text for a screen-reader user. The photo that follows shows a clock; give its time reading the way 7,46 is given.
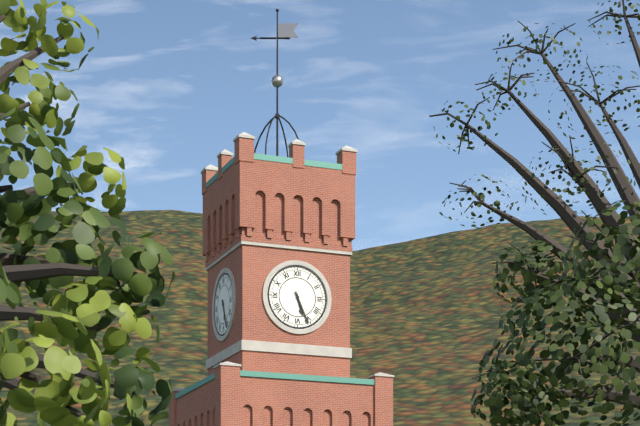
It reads 5,26
